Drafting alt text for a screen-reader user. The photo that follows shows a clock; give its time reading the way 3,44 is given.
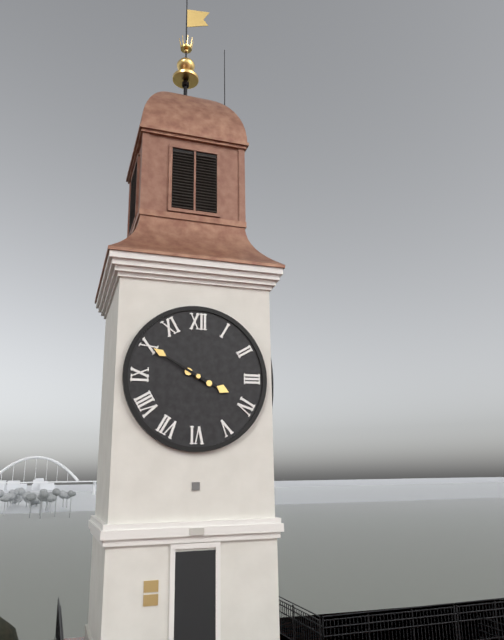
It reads 3,50
